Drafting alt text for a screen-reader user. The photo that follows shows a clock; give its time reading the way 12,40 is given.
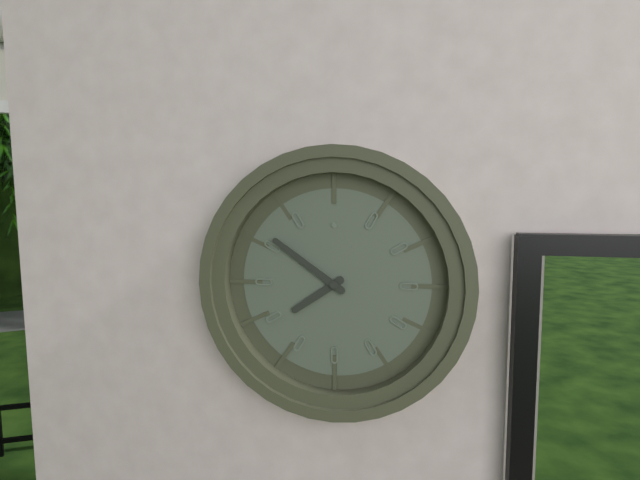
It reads 7,51
